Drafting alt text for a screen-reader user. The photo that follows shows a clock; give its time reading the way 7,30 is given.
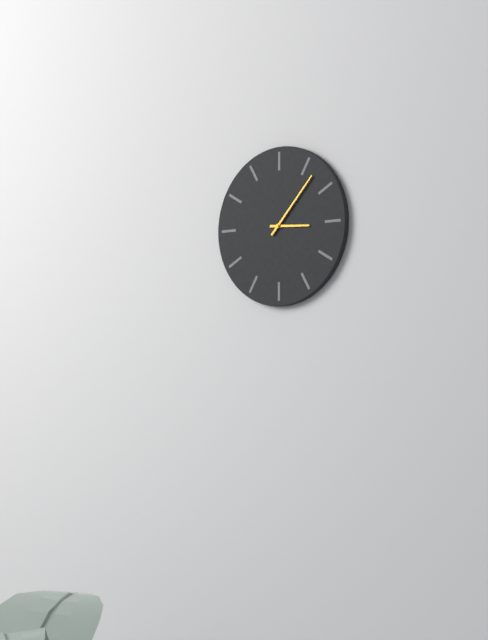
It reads 3,07
